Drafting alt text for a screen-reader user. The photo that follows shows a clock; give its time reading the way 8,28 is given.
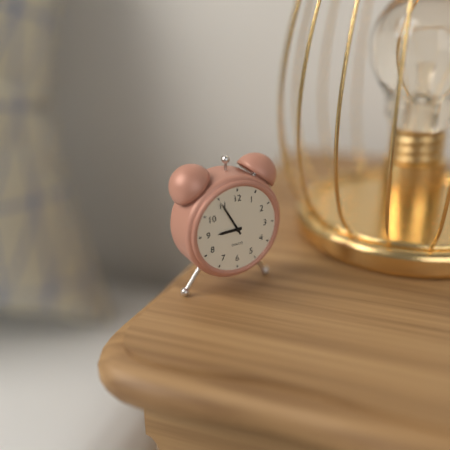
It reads 8,55
